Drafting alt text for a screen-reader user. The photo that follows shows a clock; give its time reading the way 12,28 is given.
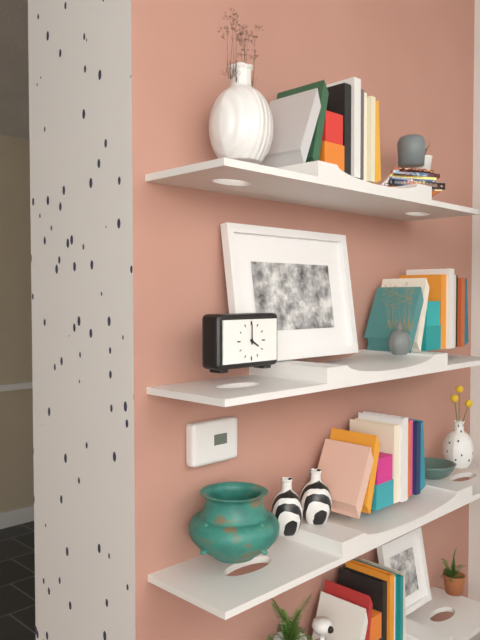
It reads 4,00
